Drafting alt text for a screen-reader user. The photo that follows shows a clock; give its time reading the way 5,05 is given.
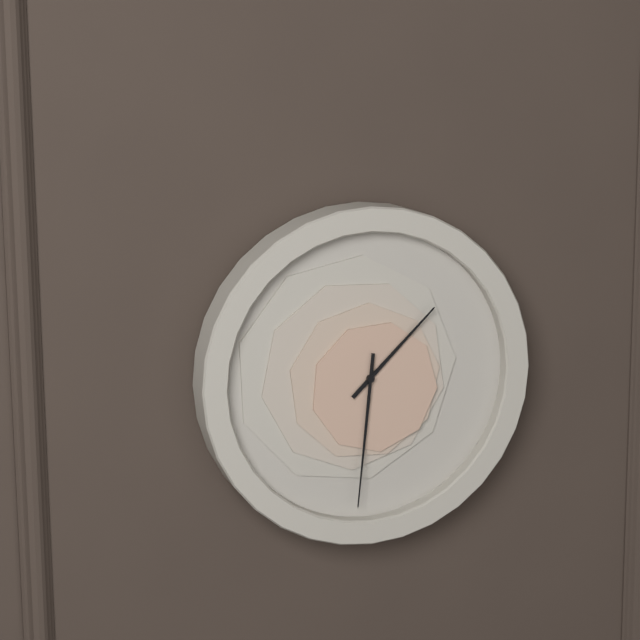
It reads 1,31
